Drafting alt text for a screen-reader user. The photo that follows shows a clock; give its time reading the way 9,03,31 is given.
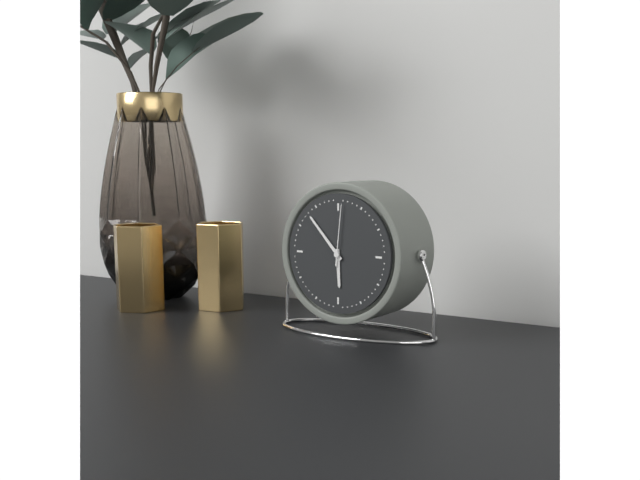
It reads 5,53,01
